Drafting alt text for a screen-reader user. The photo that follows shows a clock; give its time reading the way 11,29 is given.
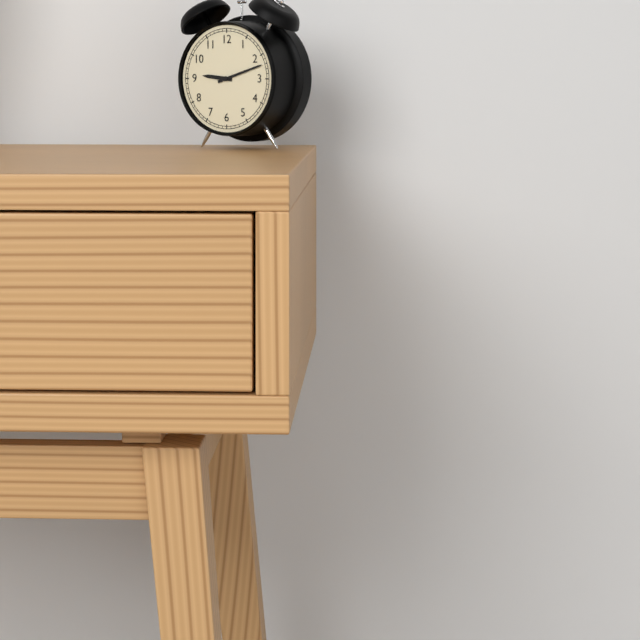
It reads 9,12
